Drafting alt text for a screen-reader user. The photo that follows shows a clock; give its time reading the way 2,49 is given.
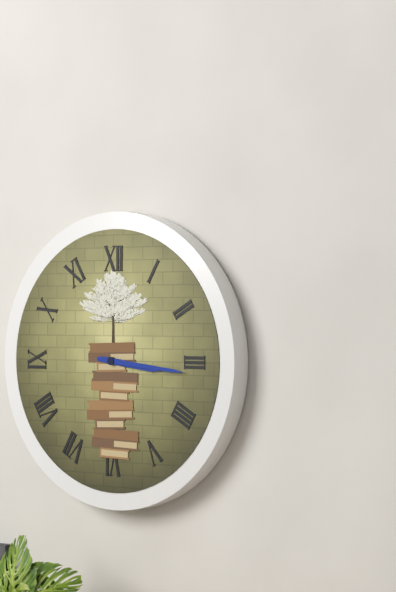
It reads 3,16
